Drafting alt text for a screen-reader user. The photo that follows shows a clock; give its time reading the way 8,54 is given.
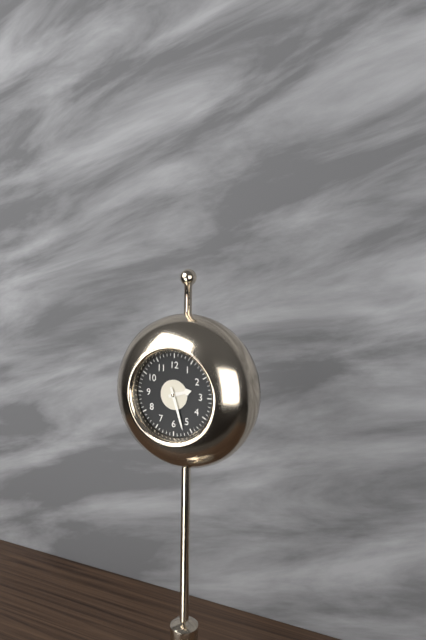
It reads 2,27
